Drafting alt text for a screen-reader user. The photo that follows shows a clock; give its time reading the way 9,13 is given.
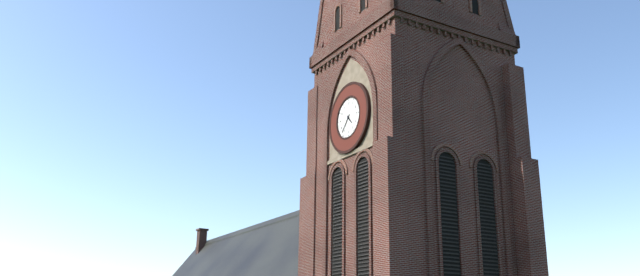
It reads 4,37
